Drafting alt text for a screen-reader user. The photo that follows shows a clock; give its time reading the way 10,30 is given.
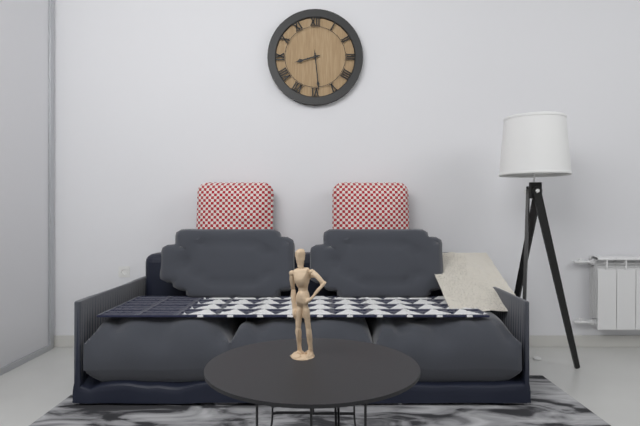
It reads 8,29
